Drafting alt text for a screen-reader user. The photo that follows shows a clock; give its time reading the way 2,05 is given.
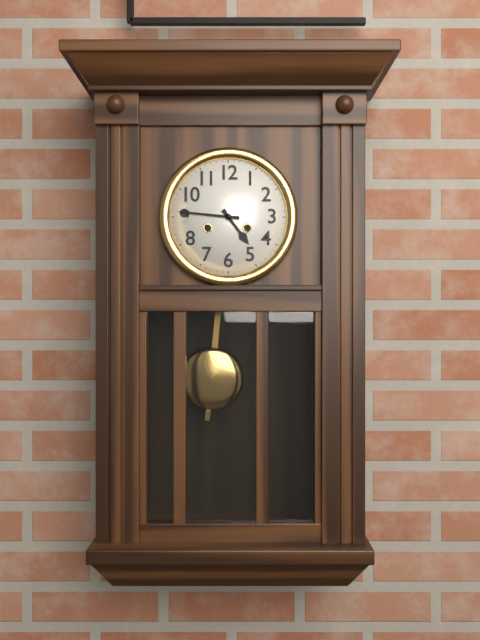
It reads 4,46
